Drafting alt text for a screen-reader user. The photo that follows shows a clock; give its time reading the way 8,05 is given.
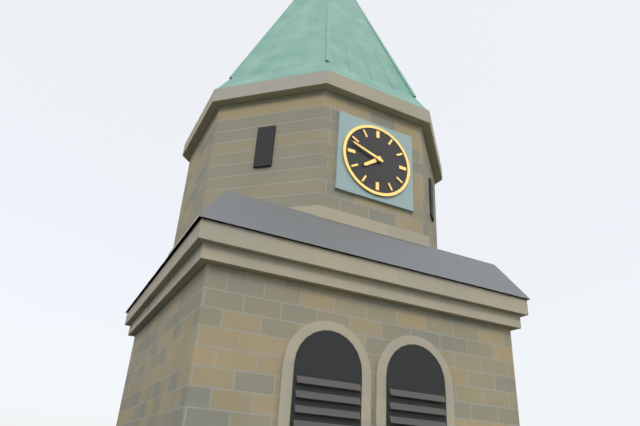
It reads 7,48
